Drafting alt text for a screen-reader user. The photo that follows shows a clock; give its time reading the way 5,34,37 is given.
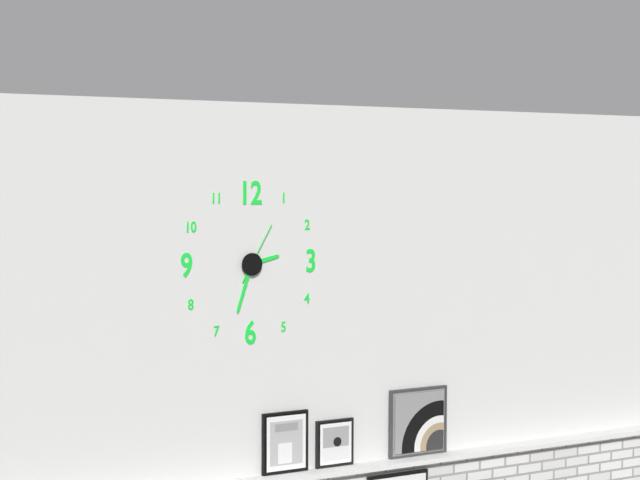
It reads 2,33,05
